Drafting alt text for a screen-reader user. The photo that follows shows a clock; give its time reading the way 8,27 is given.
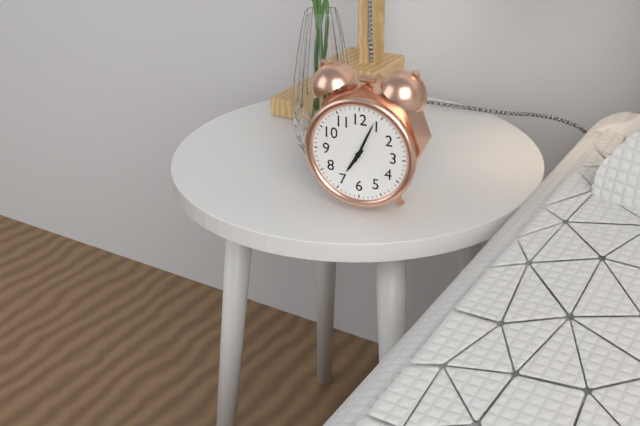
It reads 7,04
